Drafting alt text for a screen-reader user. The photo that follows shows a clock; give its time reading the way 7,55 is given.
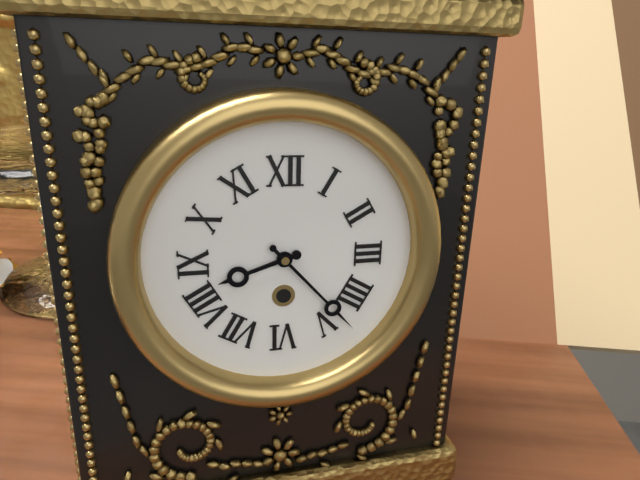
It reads 8,23
